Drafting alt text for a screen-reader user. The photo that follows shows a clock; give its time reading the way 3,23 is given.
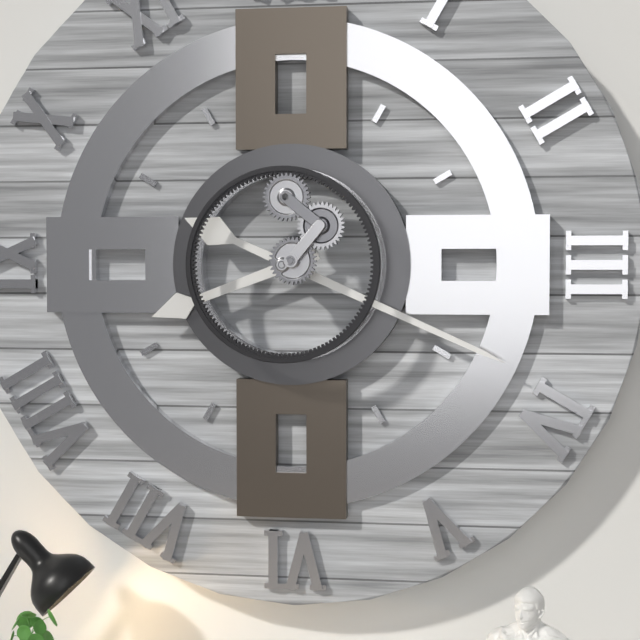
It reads 8,19
